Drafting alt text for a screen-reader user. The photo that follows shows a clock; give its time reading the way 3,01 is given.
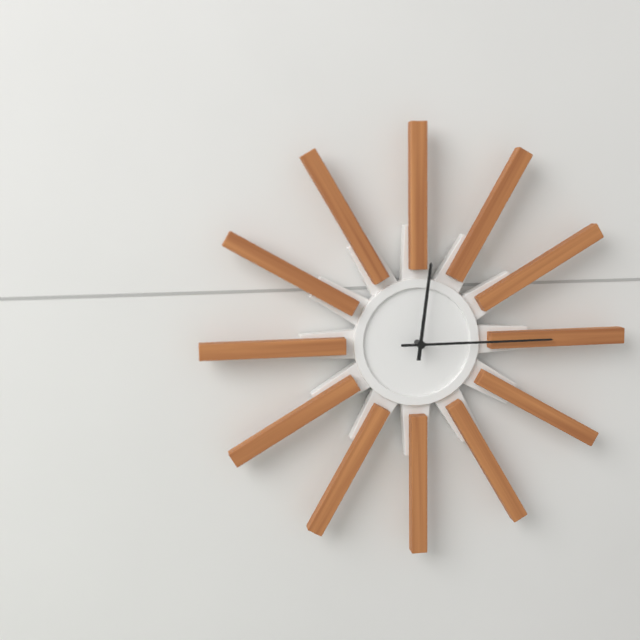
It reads 12,15
